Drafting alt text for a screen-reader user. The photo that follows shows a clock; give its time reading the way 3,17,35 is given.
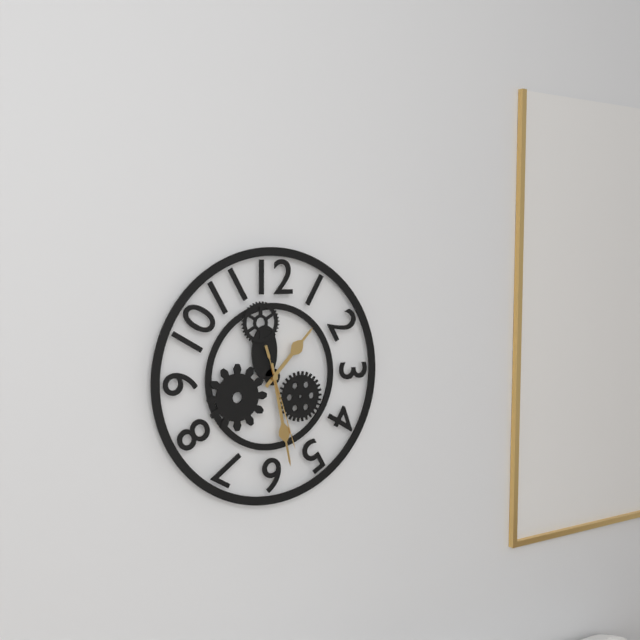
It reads 1,28,27
